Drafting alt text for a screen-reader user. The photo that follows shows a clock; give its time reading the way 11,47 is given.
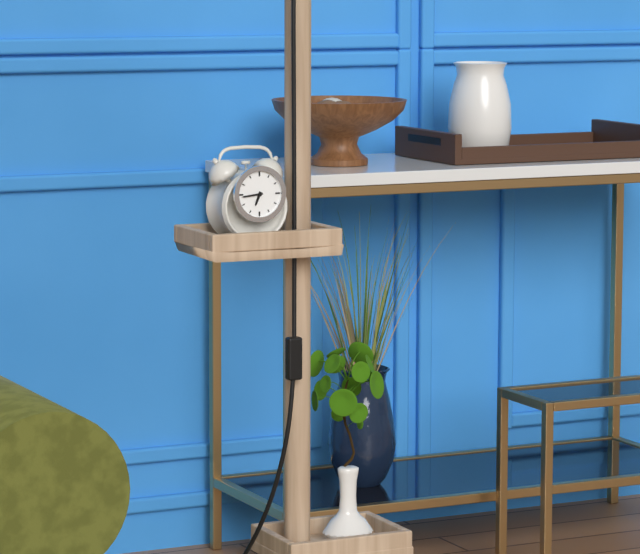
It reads 6,44
